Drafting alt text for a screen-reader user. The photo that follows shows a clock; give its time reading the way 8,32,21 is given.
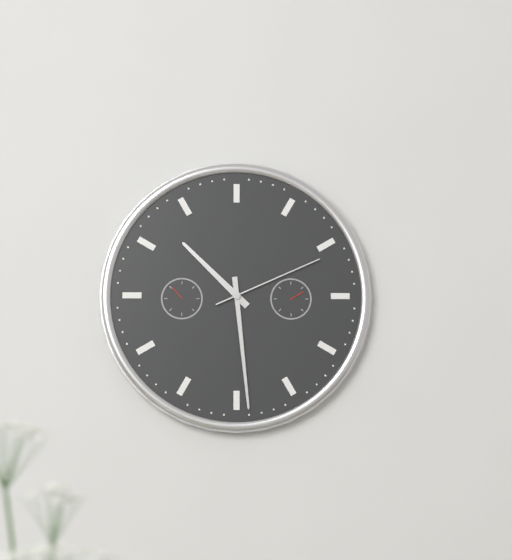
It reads 10,29,11
